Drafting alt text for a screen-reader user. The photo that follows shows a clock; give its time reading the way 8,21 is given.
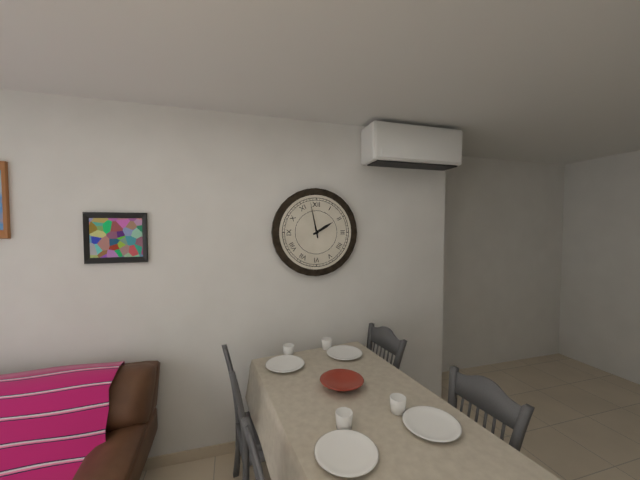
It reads 1,58
